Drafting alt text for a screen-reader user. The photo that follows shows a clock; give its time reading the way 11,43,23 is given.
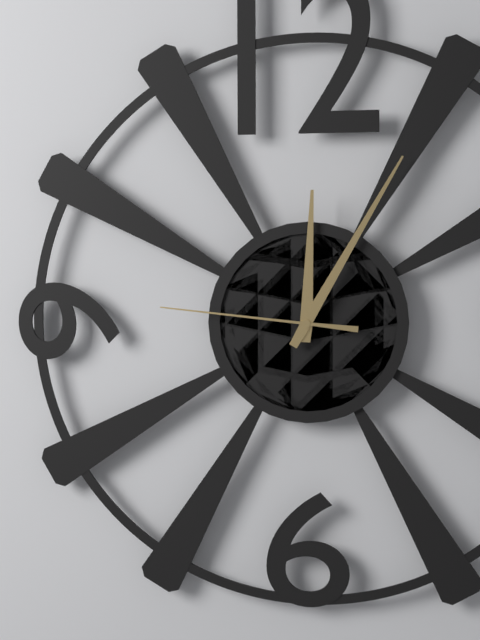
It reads 12,05,46
